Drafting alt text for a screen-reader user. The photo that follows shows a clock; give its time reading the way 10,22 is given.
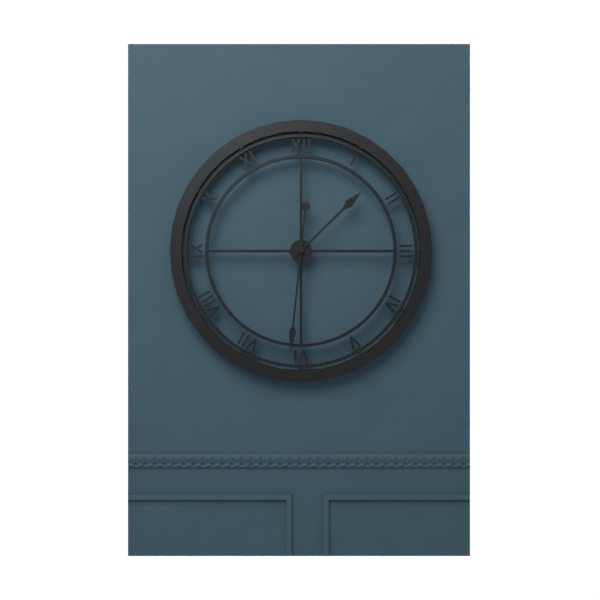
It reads 1,31
